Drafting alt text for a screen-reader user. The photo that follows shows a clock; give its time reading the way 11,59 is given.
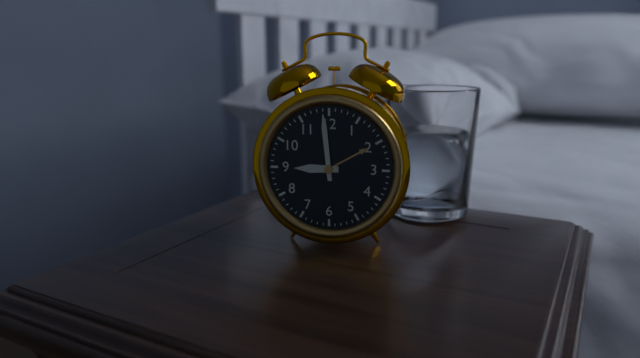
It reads 8,59
